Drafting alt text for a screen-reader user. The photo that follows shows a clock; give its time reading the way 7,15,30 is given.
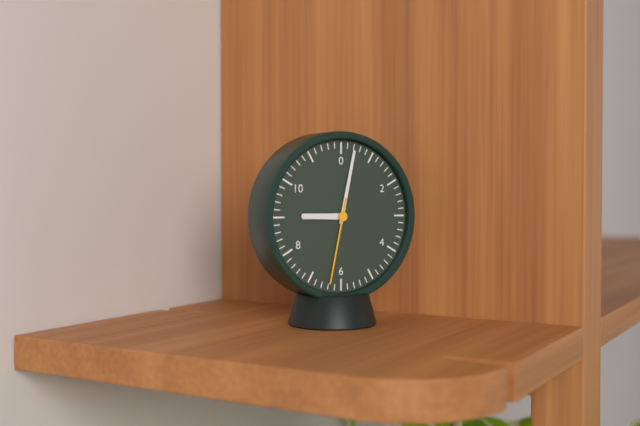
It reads 9,02,32
